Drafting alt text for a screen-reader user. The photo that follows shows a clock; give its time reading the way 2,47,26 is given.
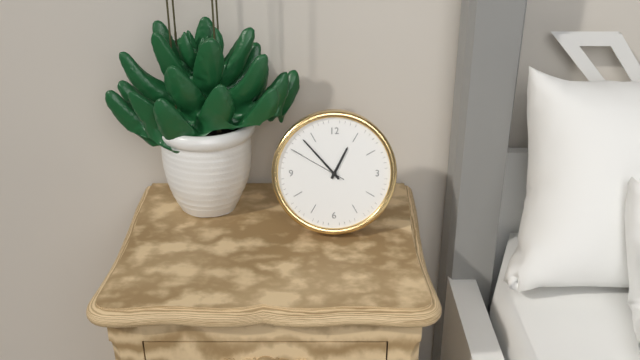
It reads 12,53,50
